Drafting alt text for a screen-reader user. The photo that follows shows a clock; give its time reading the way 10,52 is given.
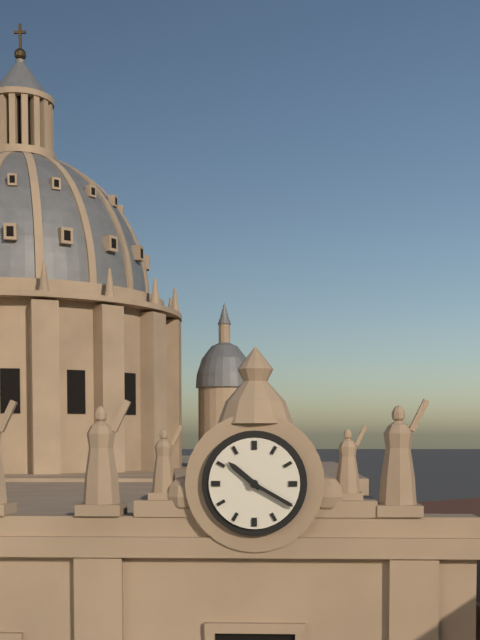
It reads 10,20
